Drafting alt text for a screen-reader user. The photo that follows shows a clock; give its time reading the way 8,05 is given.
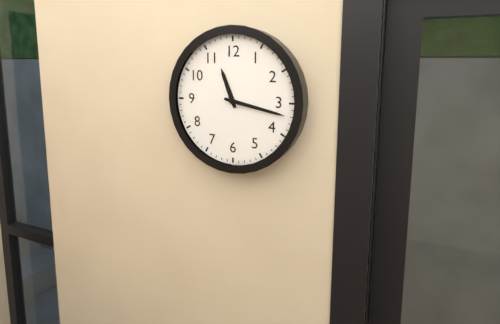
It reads 11,17
